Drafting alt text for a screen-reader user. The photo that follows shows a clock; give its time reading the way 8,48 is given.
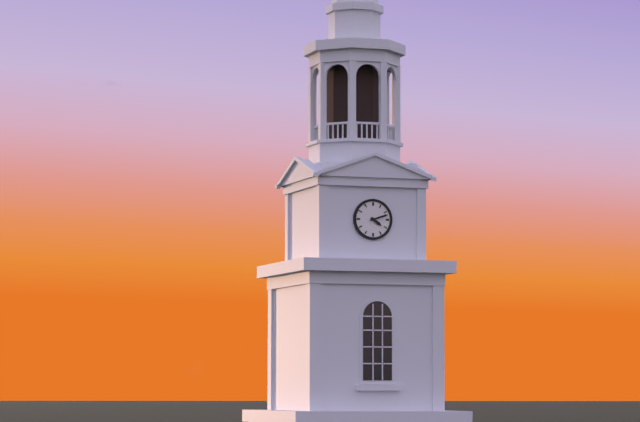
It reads 4,12
